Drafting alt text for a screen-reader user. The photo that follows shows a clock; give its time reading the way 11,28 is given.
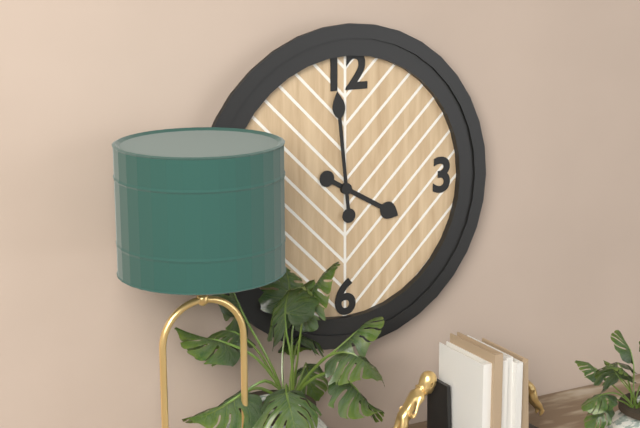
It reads 3,59
